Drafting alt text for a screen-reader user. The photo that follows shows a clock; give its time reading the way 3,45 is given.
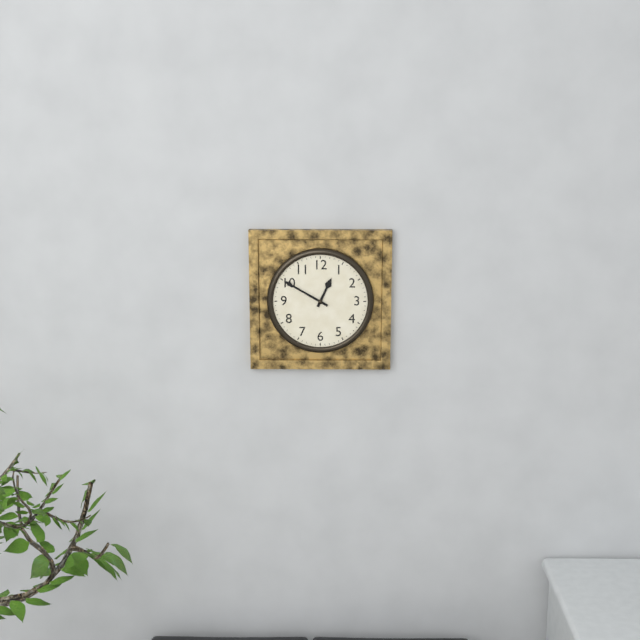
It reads 12,50
